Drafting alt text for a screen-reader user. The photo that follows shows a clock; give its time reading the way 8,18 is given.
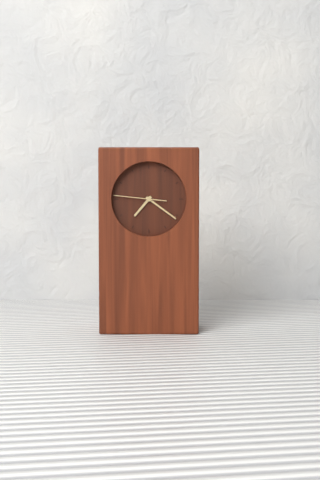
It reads 7,21
